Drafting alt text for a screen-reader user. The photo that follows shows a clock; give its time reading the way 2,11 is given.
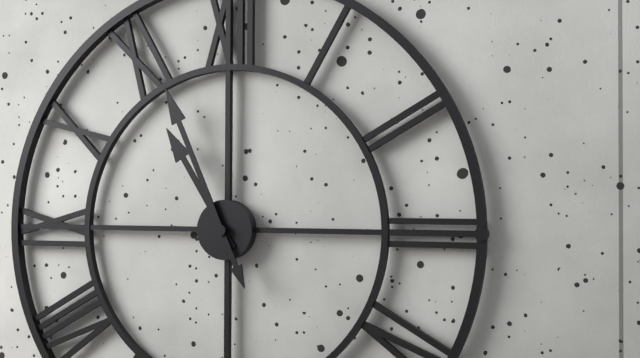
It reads 10,56
